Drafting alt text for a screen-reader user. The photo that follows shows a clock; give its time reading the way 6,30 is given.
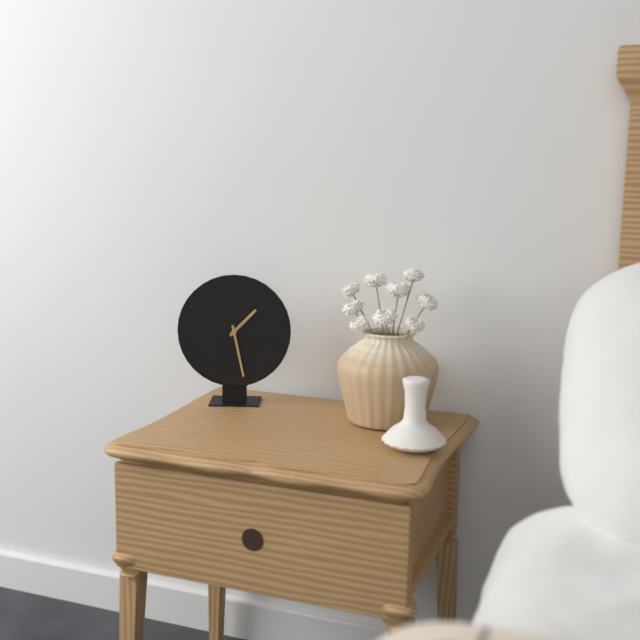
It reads 1,28
